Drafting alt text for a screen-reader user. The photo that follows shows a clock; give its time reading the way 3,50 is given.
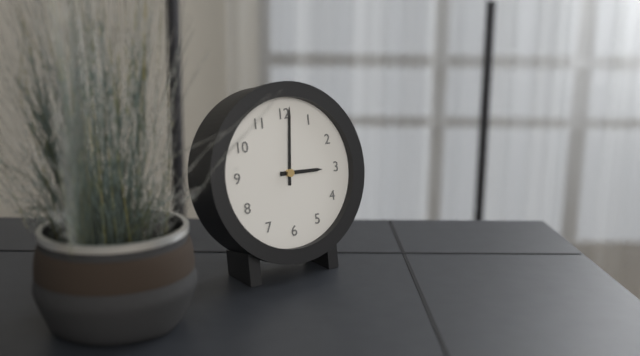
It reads 3,01
